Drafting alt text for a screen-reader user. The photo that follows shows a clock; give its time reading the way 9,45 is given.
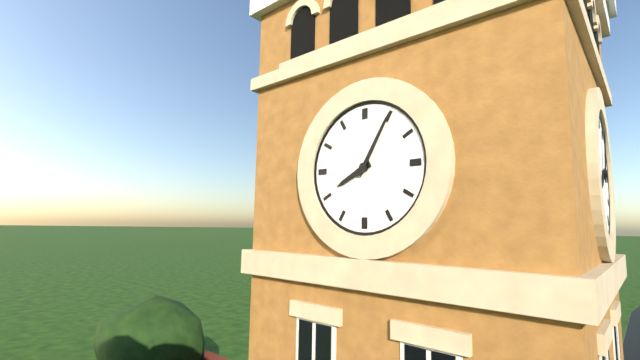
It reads 8,05
